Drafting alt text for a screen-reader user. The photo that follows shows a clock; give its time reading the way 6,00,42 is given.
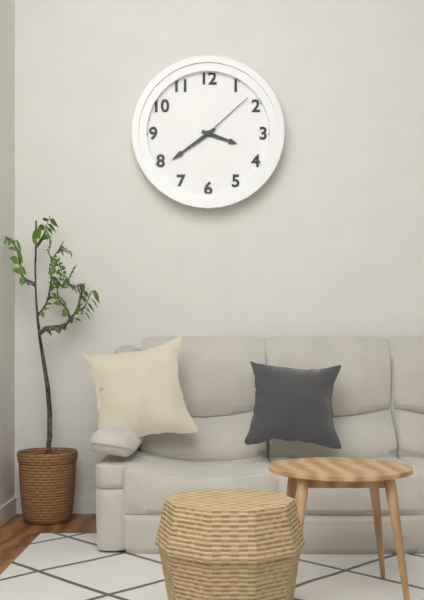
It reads 3,39,08
